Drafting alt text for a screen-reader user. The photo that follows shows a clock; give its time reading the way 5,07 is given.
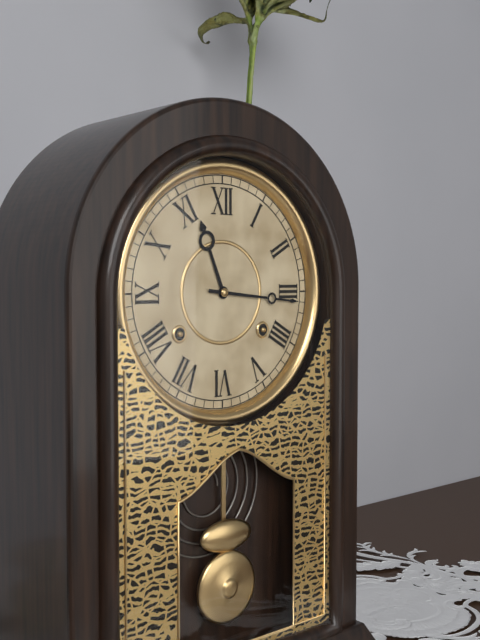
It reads 11,16
